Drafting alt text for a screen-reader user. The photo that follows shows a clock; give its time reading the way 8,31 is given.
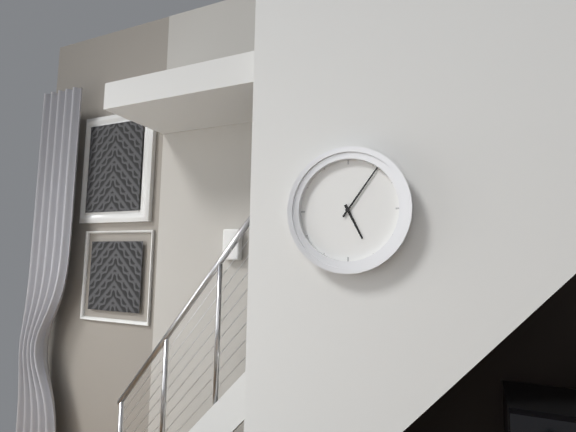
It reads 5,06
